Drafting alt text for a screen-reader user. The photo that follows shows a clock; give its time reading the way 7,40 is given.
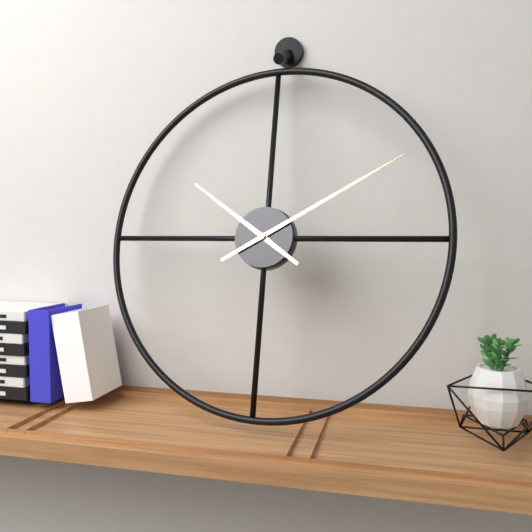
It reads 10,10
